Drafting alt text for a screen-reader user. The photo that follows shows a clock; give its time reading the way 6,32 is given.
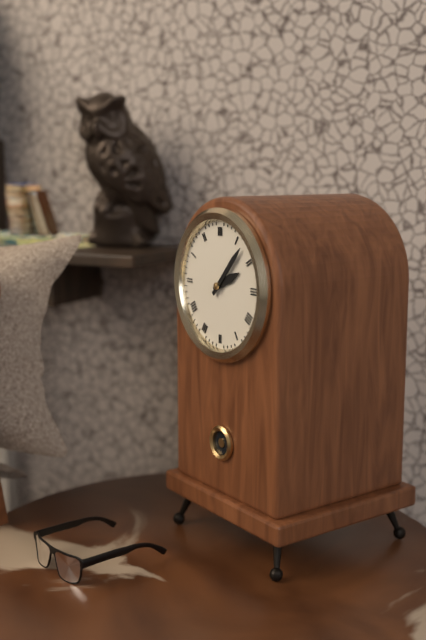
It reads 2,07
